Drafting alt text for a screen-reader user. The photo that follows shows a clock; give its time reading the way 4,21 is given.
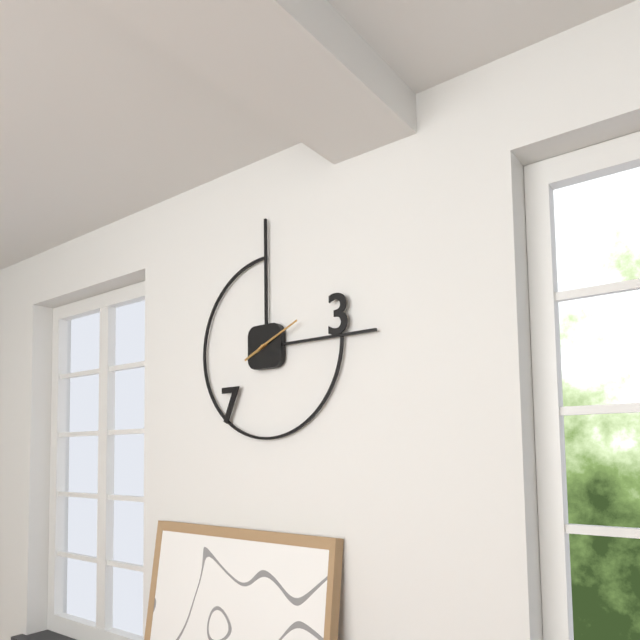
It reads 8,11
